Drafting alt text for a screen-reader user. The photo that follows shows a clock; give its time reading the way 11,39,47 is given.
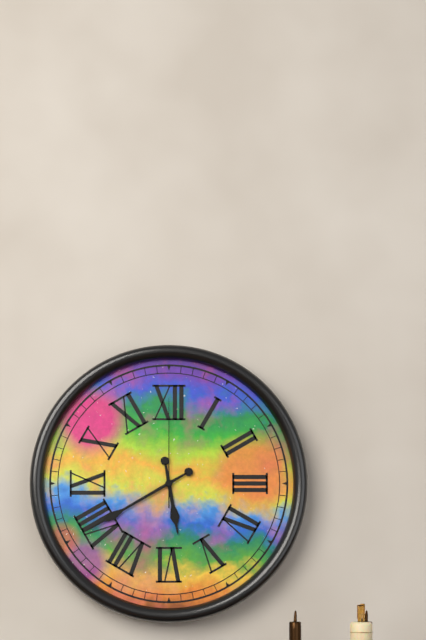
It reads 5,40,00
